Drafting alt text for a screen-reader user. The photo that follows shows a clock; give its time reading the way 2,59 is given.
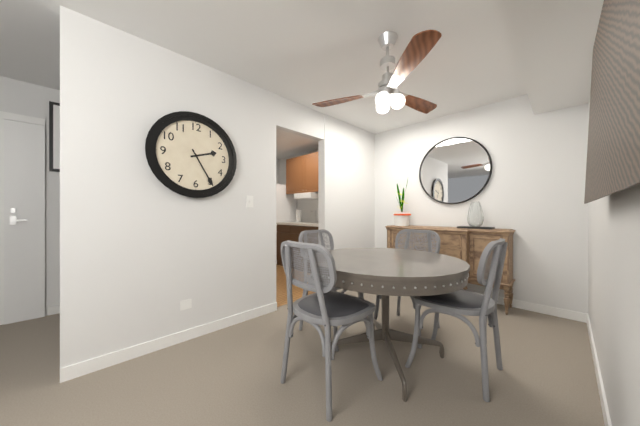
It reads 2,25
